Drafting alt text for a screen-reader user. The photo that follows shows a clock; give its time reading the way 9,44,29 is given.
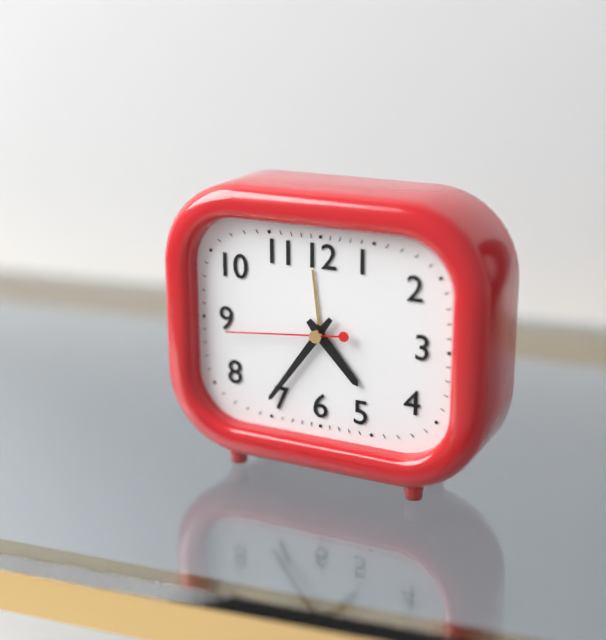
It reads 4,36,44
